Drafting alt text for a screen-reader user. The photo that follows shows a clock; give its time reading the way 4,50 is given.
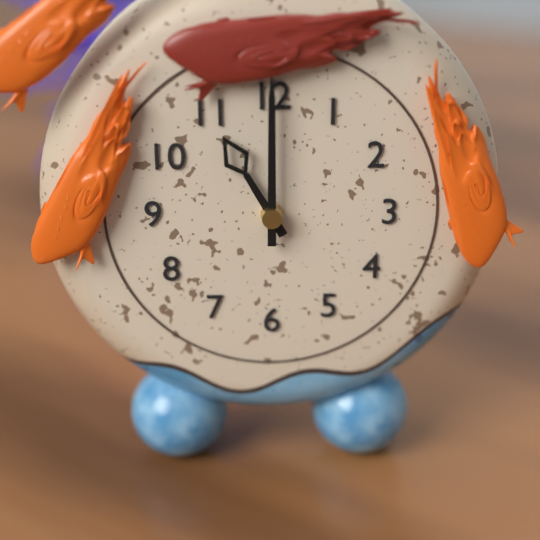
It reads 11,00
